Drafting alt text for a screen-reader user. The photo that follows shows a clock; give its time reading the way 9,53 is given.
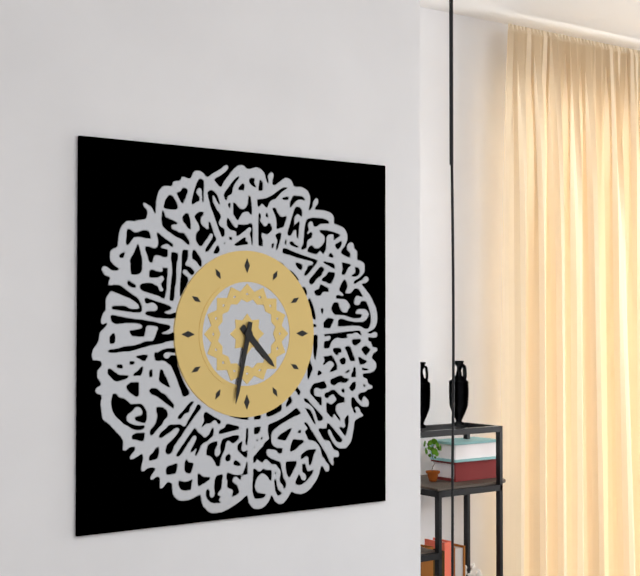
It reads 4,32
